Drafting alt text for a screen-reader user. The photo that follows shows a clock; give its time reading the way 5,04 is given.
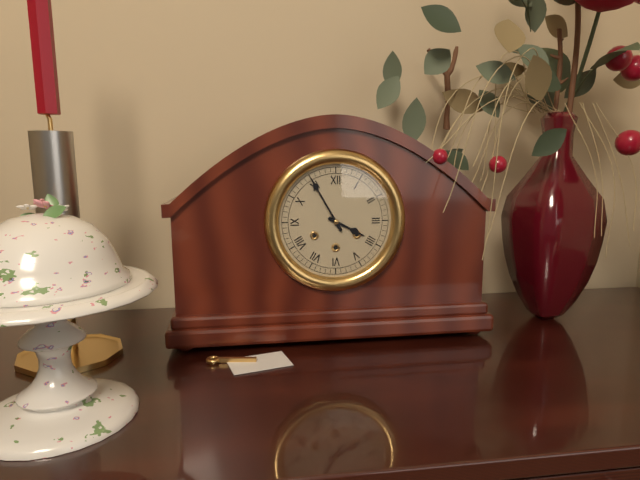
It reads 3,55
